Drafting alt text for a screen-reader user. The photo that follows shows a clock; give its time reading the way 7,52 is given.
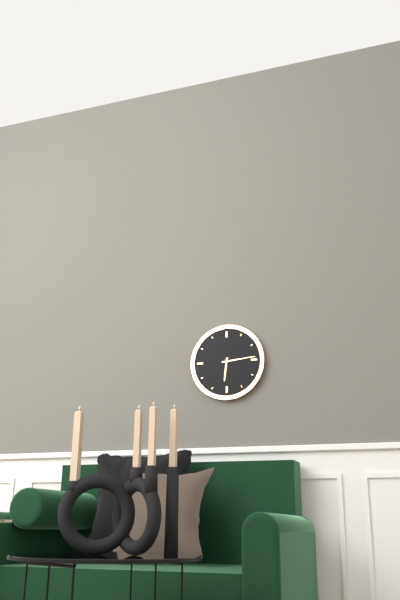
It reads 6,14
